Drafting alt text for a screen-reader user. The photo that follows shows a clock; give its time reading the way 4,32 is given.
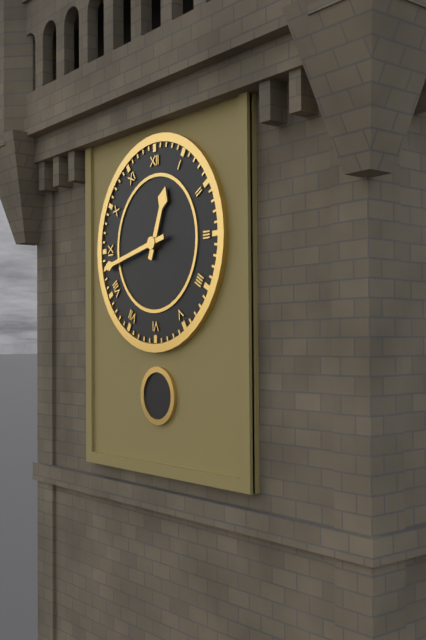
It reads 12,43
